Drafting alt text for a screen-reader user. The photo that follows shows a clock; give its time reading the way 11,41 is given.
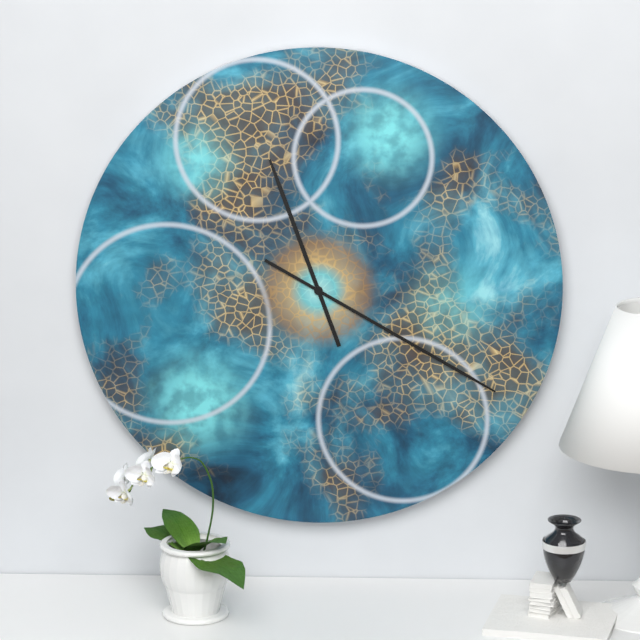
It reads 11,20
